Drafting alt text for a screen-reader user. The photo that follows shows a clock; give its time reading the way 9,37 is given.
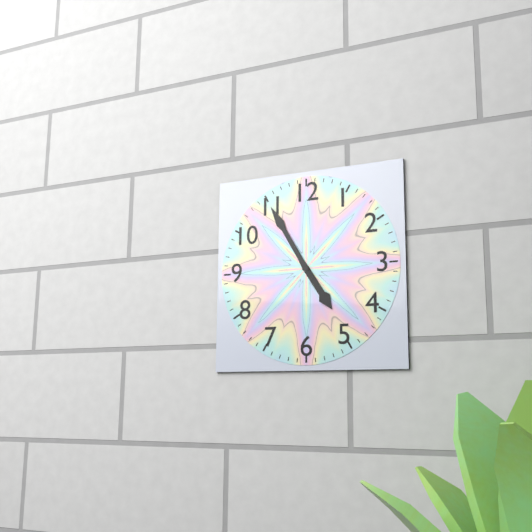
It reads 4,55
